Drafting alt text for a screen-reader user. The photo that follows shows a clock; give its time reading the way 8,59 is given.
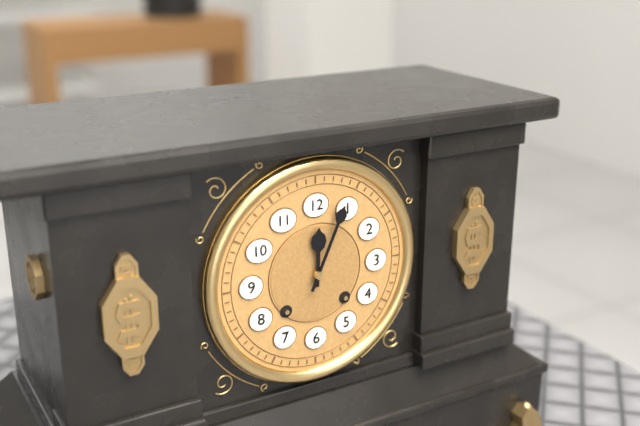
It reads 12,04
